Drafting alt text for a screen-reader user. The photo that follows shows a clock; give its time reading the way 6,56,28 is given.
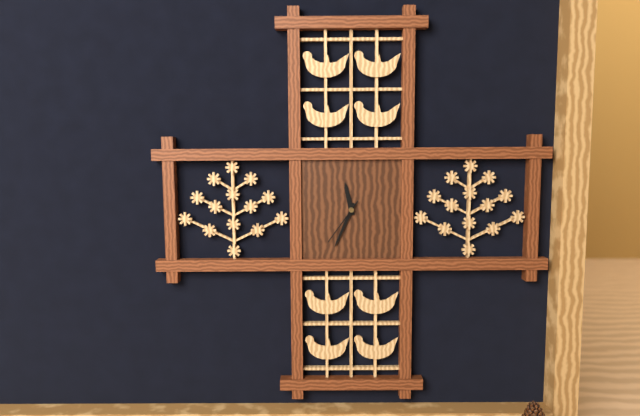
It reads 11,34,36
